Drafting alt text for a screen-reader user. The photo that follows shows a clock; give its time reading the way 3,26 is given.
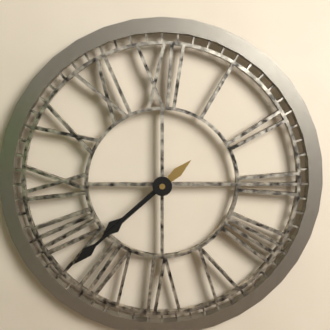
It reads 7,38
